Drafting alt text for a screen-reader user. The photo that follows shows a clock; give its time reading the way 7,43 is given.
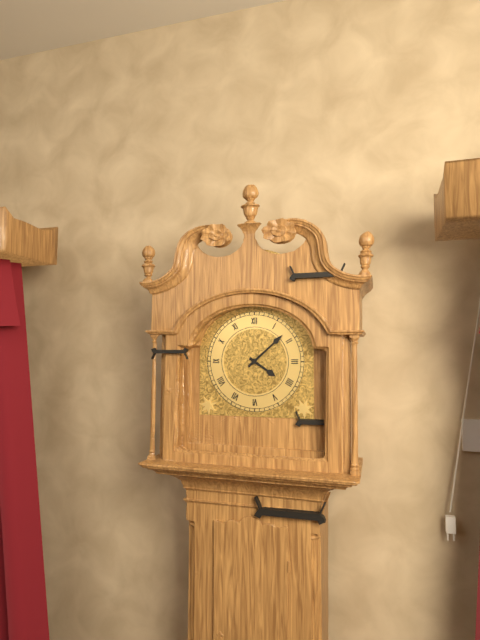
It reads 4,08
